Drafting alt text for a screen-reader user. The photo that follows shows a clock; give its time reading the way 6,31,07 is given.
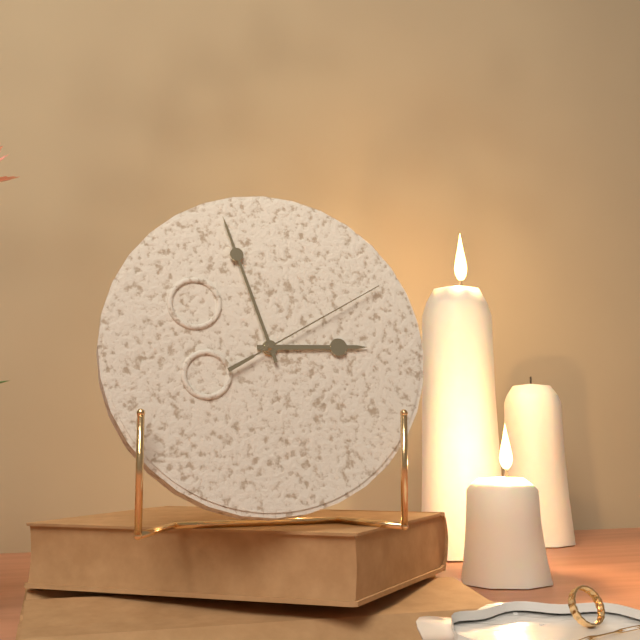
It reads 2,57,10
